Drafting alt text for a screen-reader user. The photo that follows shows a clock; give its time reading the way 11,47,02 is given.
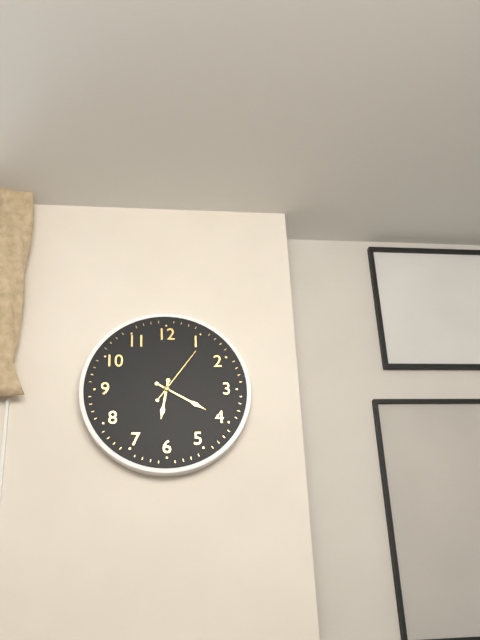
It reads 6,20,06
